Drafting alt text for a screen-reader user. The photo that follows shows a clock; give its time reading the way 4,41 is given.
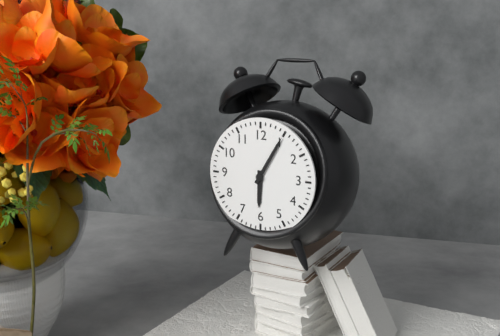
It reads 6,05
